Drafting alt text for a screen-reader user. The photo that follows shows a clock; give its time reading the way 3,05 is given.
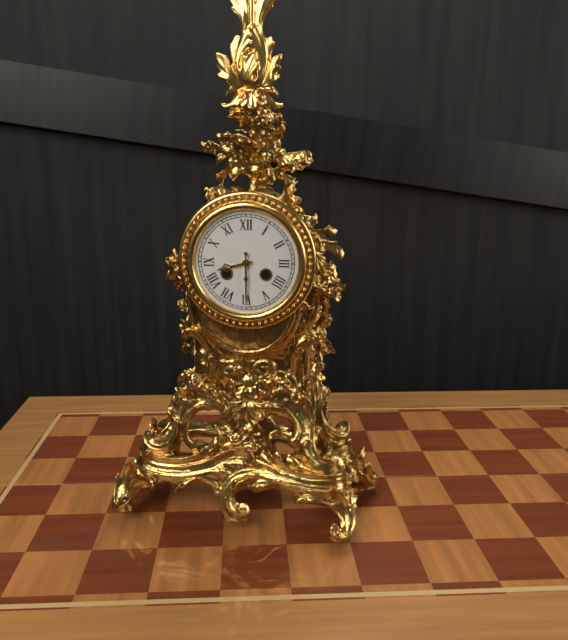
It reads 8,30
